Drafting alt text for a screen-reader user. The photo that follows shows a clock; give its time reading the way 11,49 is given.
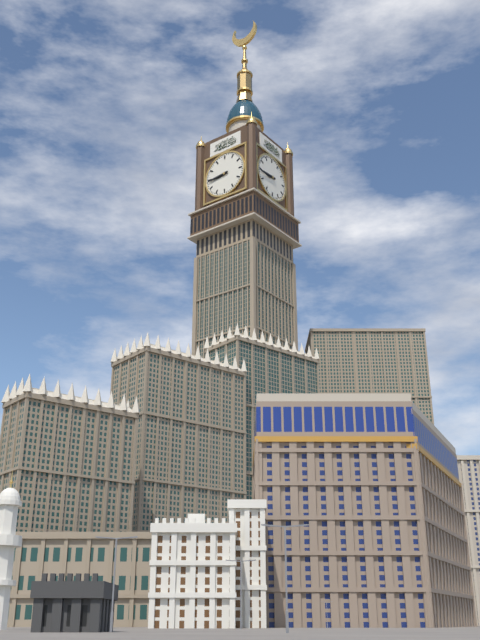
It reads 8,44
